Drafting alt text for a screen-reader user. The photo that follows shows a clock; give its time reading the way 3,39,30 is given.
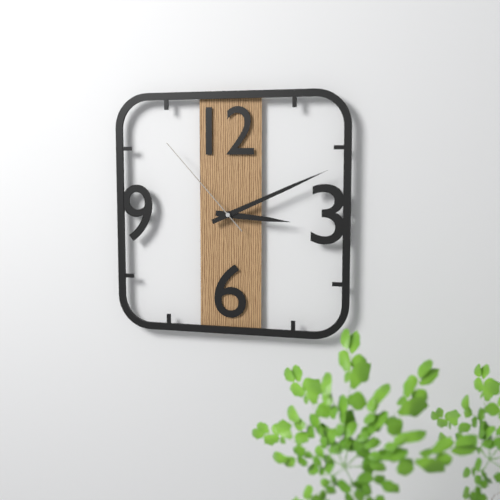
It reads 3,11,53
